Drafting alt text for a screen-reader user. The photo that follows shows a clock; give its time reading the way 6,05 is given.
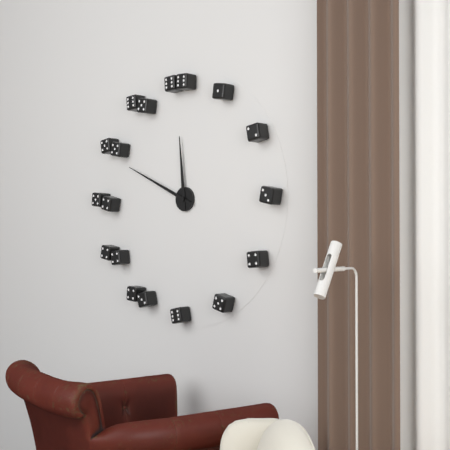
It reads 11,49
